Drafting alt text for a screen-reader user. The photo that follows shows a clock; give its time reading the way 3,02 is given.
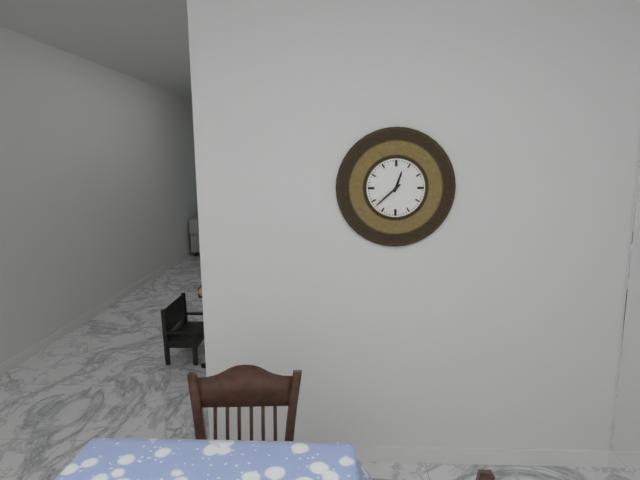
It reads 12,38
